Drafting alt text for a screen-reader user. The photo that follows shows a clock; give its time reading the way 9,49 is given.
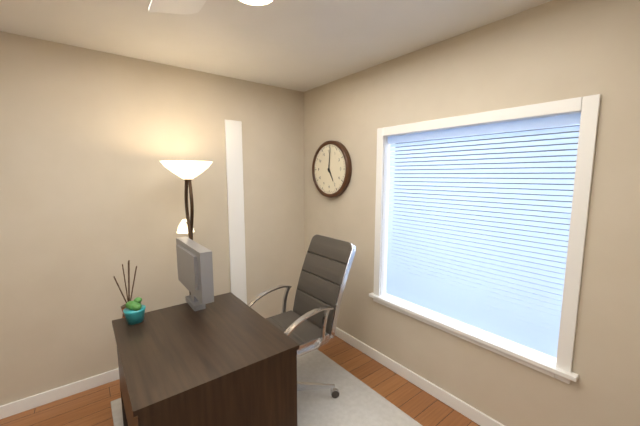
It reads 5,01
